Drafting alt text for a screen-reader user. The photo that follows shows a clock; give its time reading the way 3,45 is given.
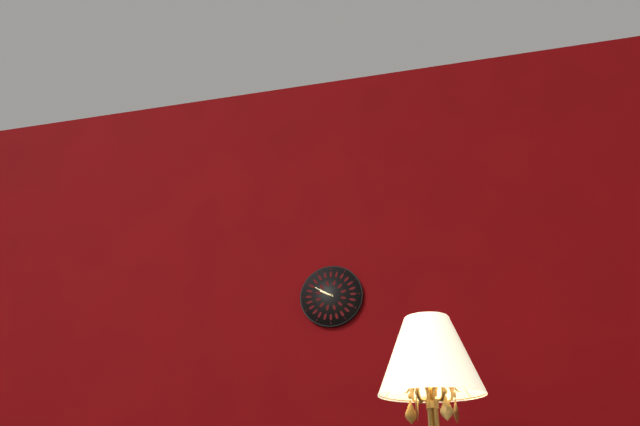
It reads 9,50
